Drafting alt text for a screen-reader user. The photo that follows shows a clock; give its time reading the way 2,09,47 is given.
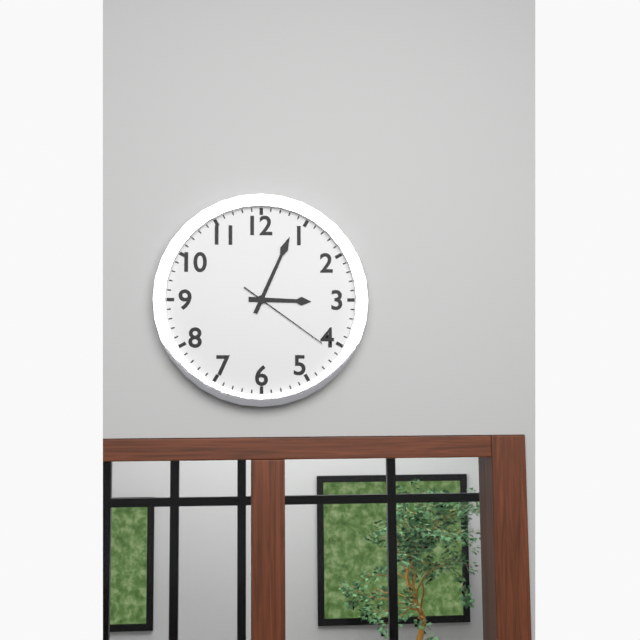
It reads 3,04,21
